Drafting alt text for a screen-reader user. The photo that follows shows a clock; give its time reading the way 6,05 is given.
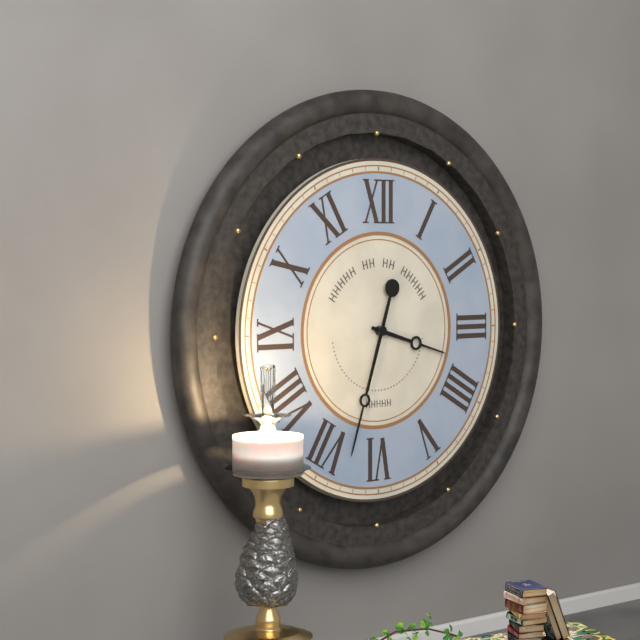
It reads 3,33
